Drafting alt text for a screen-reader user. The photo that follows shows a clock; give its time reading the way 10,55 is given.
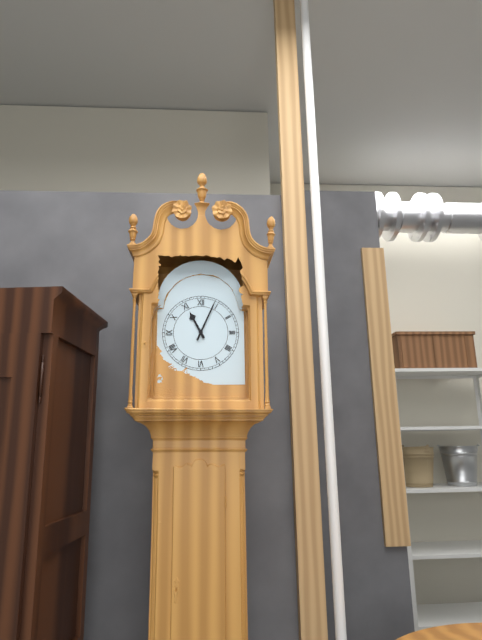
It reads 11,04
